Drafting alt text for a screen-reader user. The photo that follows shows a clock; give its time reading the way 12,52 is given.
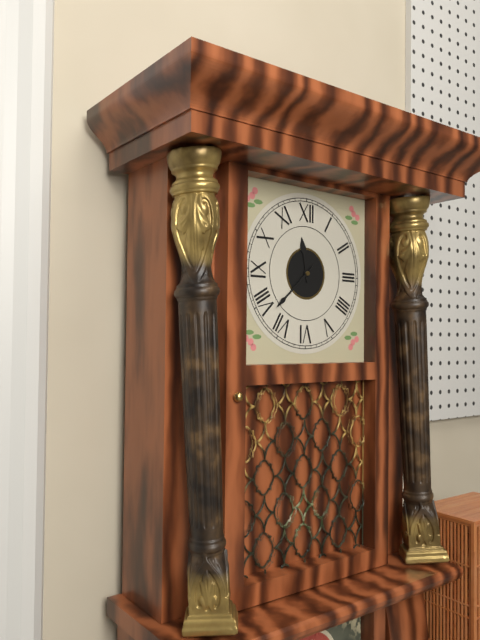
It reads 11,38
